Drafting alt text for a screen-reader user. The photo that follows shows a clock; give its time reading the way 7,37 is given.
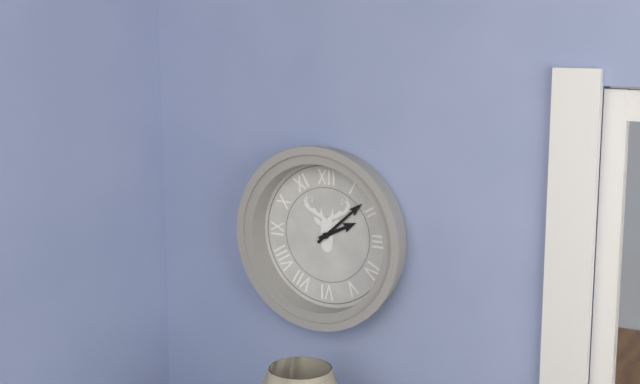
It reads 2,08
